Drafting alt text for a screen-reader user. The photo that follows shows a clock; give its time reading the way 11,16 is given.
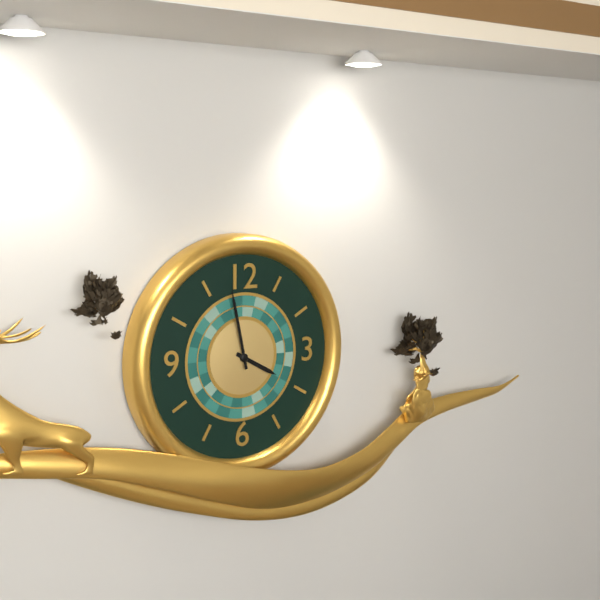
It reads 3,58
